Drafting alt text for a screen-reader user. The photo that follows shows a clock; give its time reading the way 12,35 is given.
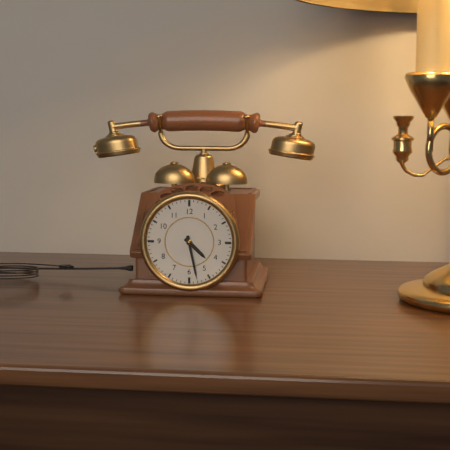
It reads 4,28
